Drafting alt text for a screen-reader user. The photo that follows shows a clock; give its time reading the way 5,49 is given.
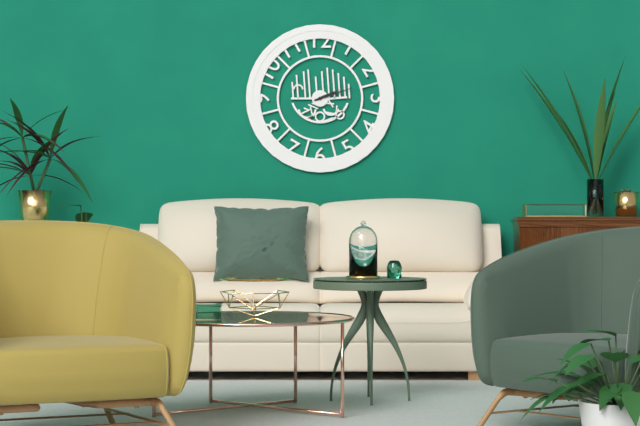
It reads 2,12
